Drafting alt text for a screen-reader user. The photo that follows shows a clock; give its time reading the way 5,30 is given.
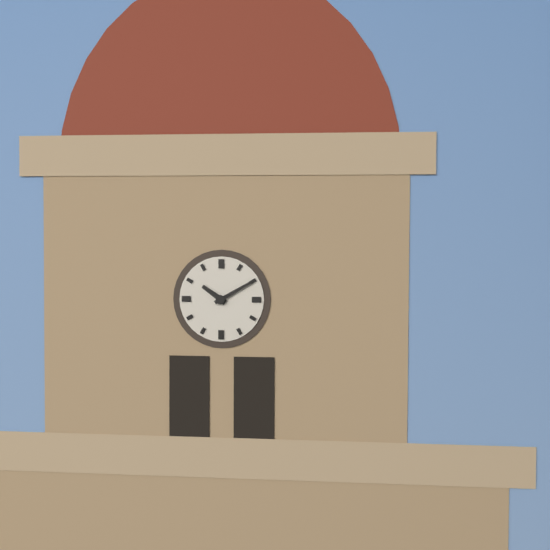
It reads 10,10
